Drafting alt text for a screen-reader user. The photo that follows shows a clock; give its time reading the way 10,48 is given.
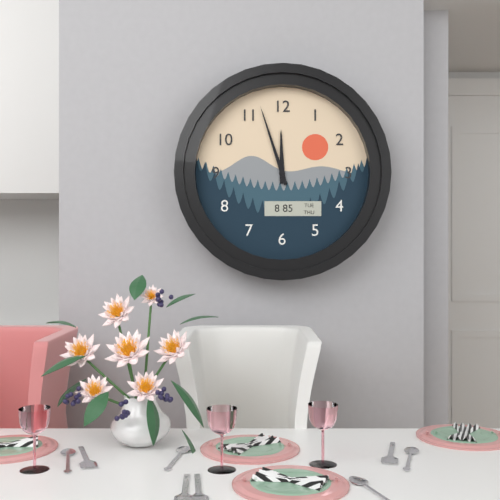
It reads 11,57
